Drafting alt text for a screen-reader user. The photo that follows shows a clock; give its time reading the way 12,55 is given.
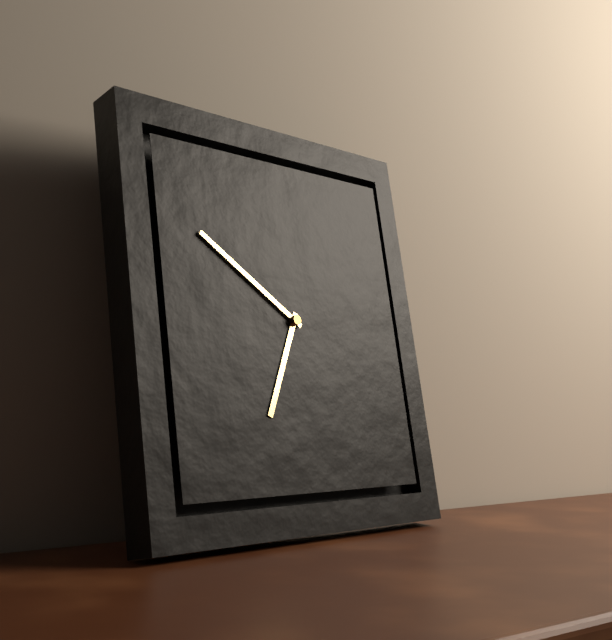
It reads 6,51
